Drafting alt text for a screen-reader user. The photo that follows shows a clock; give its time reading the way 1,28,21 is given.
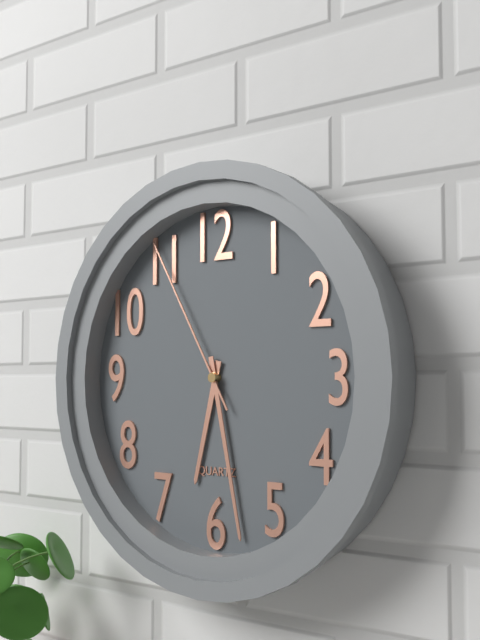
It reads 6,28,55
